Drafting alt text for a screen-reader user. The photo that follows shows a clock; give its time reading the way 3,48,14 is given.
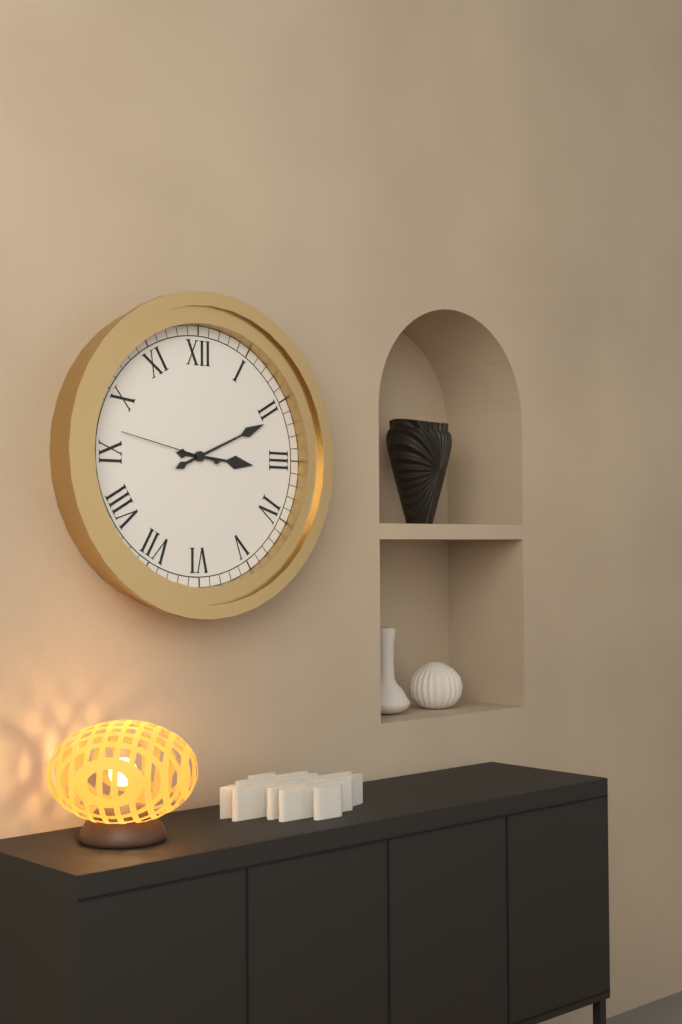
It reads 3,11,47
